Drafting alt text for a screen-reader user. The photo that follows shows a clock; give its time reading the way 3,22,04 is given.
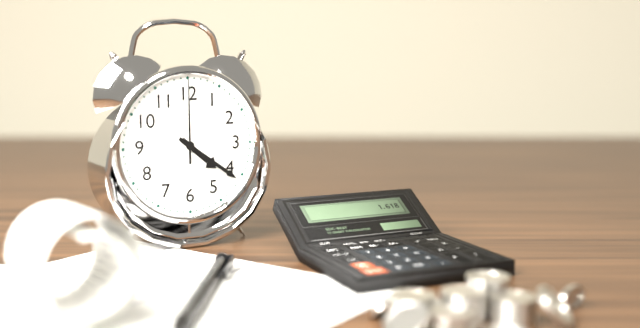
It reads 4,21,00
